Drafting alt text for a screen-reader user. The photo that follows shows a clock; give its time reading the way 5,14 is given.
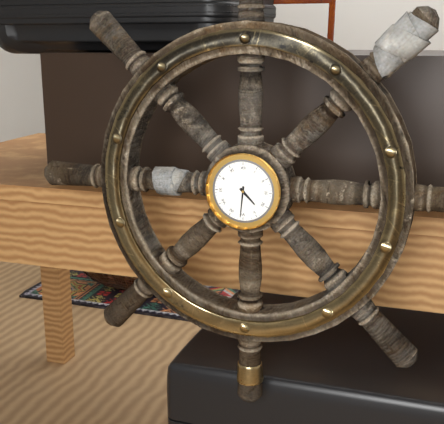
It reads 4,31
